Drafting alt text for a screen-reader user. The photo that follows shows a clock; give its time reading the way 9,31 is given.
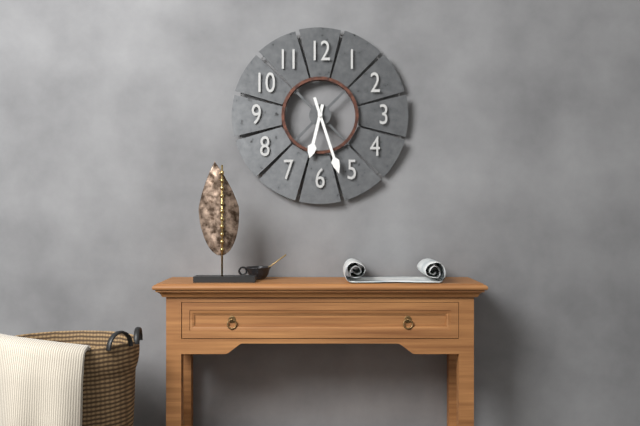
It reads 6,27
